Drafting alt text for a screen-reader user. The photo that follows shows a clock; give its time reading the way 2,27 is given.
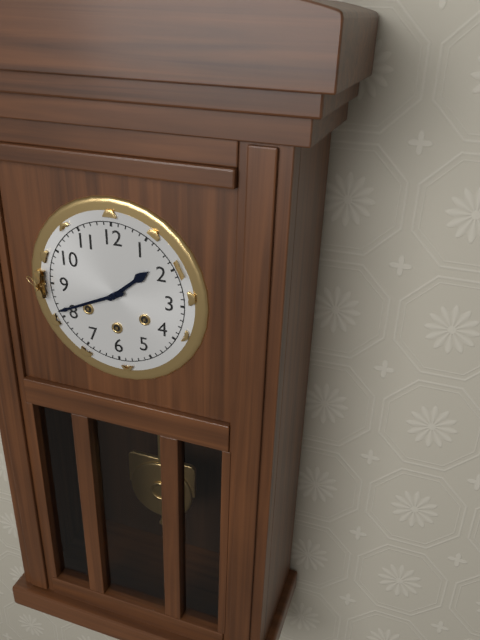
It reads 1,41
